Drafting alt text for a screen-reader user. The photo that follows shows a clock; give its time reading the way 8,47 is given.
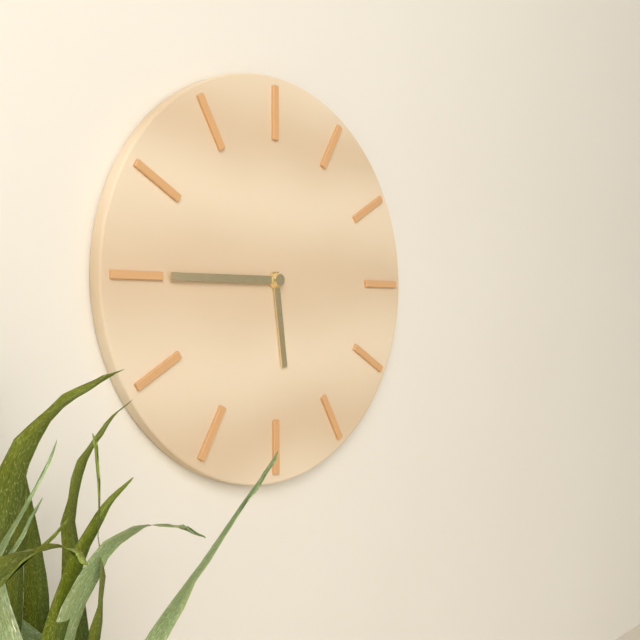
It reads 5,45
